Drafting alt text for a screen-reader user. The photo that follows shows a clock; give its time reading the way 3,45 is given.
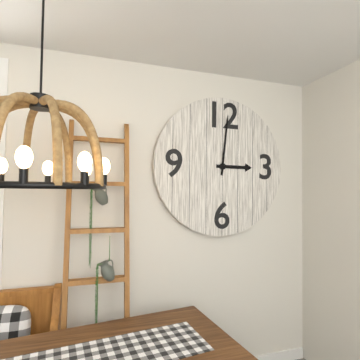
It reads 3,01
